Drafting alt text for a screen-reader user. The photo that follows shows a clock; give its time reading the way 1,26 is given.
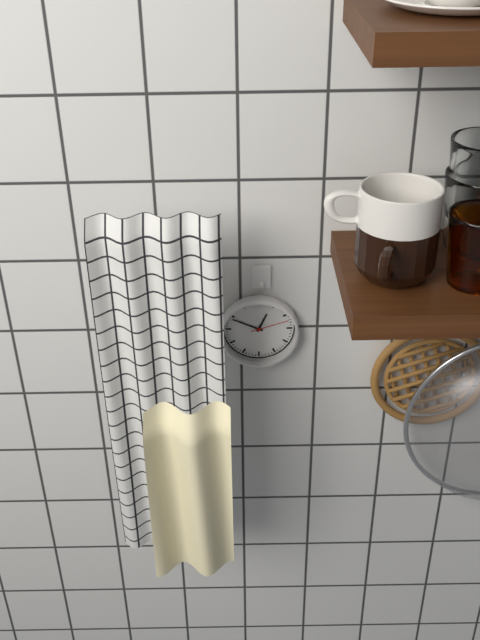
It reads 12,49
